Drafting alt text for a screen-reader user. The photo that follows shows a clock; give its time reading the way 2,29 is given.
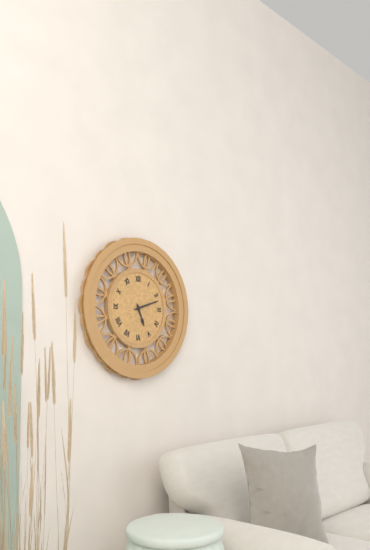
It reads 5,12
